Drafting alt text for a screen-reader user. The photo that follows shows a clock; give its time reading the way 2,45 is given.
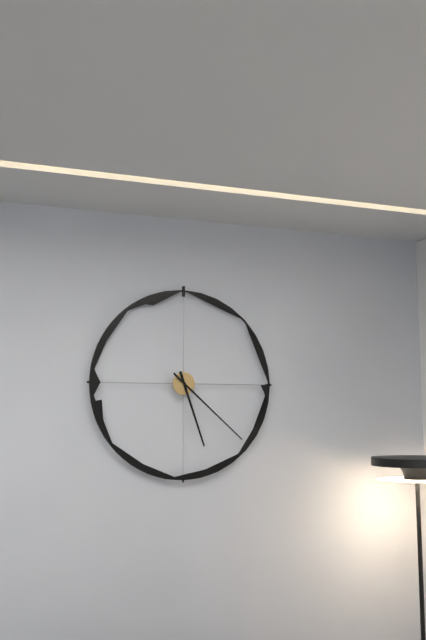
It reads 5,22
